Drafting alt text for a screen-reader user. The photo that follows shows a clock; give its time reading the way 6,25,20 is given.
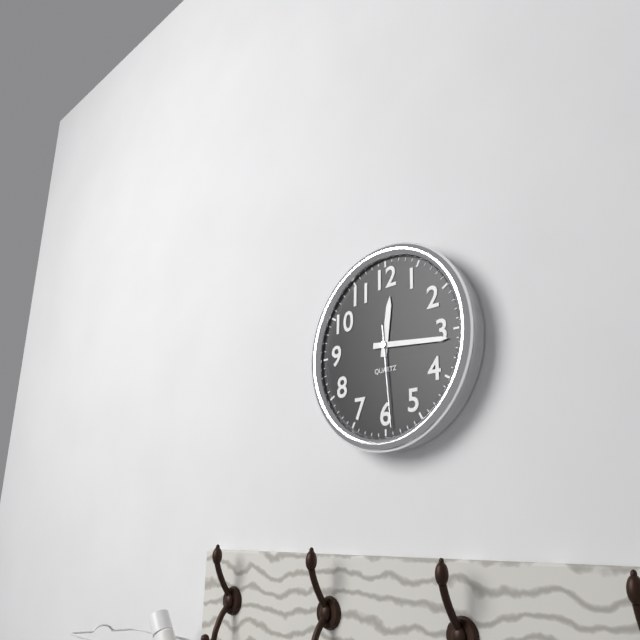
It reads 12,16,29
